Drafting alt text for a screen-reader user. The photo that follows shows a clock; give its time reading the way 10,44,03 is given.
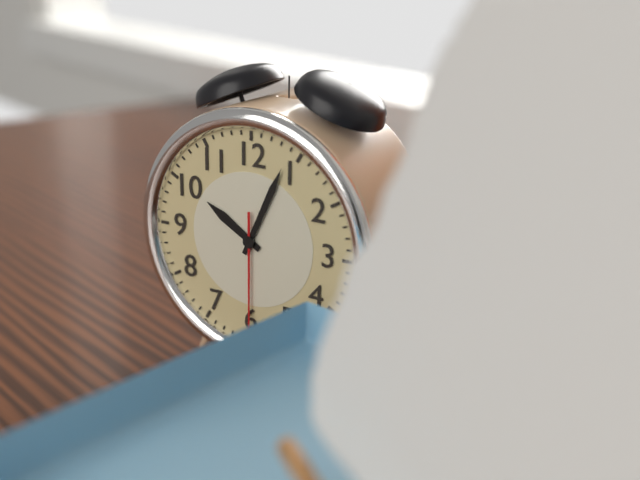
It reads 10,04,30
